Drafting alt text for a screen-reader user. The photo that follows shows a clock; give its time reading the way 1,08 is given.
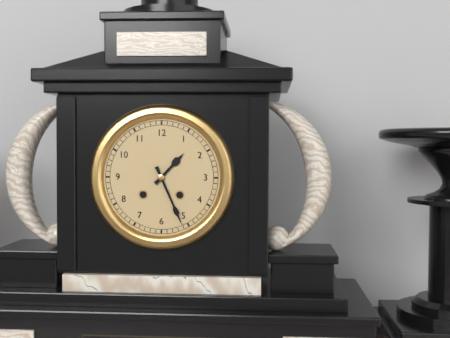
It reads 1,26
